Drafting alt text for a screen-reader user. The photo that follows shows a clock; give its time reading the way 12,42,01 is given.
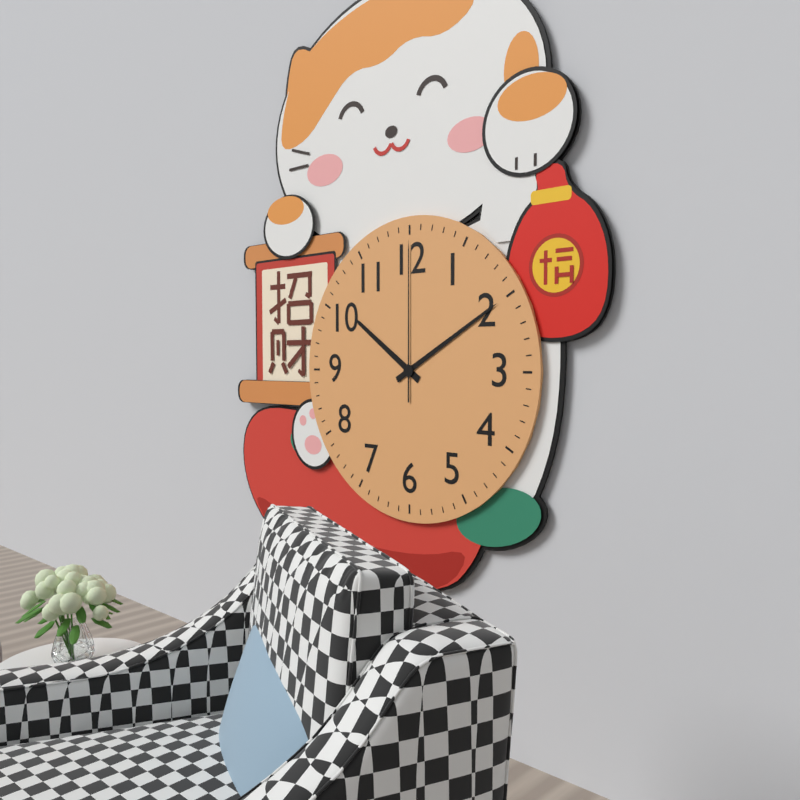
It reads 10,10,00
